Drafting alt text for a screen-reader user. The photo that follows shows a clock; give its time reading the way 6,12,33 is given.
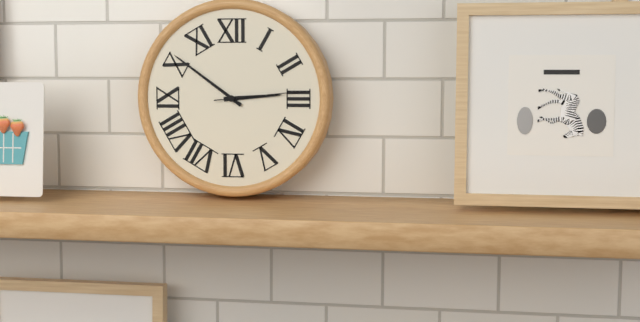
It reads 2,51,14
